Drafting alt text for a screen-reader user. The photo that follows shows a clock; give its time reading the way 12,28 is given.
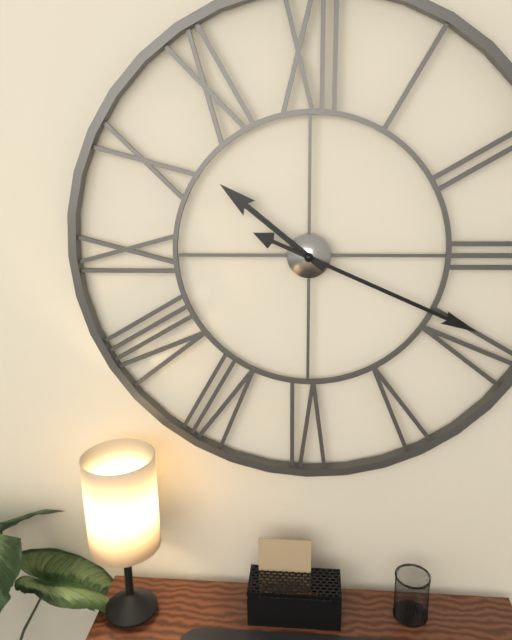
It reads 10,19
